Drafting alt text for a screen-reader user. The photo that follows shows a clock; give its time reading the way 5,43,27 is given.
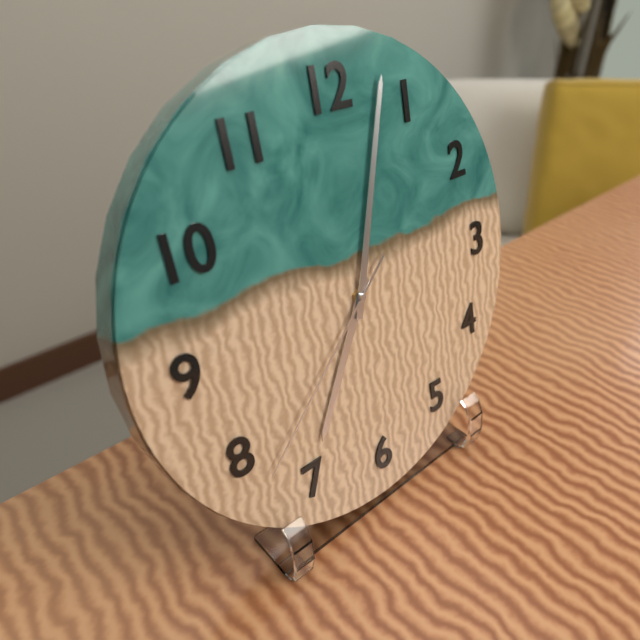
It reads 7,03,38
